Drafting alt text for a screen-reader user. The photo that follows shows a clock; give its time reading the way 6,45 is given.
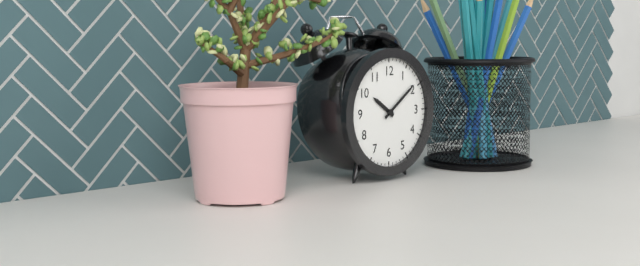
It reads 10,09
